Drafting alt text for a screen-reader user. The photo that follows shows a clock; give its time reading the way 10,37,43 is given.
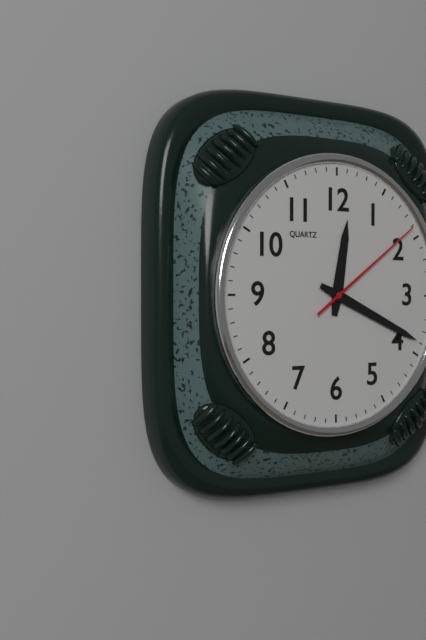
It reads 12,19,09
